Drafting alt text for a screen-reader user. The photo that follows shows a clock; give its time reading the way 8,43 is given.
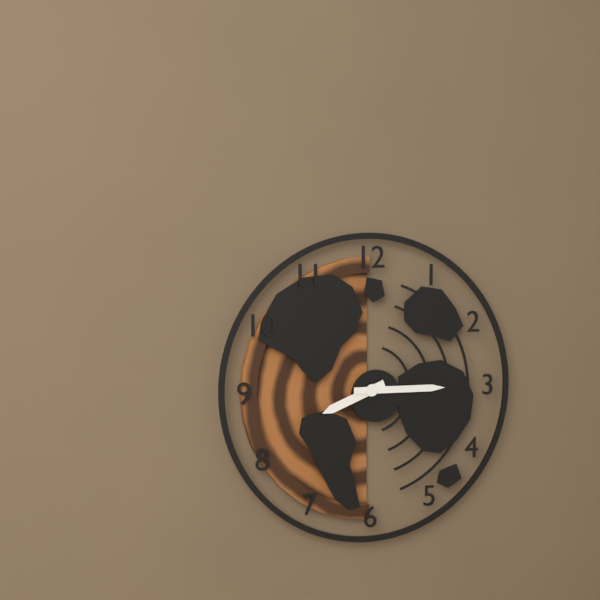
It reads 8,15
